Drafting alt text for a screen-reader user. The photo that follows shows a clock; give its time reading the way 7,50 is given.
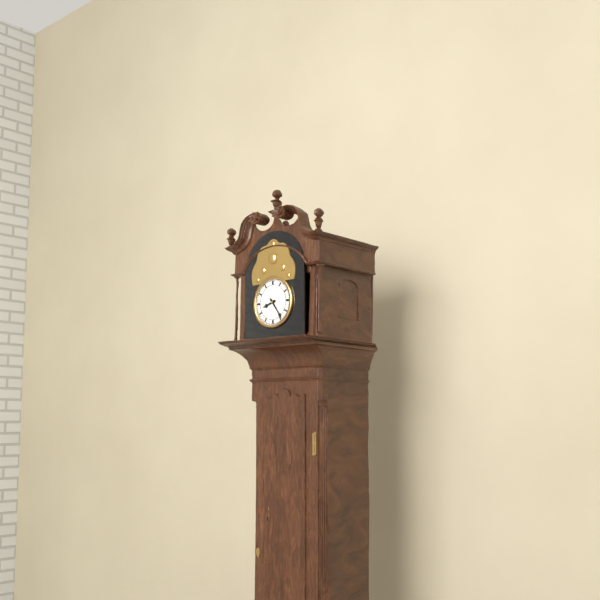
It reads 8,24
